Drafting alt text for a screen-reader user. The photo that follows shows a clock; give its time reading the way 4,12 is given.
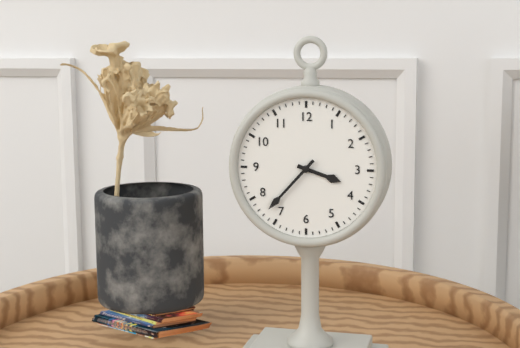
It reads 3,37
